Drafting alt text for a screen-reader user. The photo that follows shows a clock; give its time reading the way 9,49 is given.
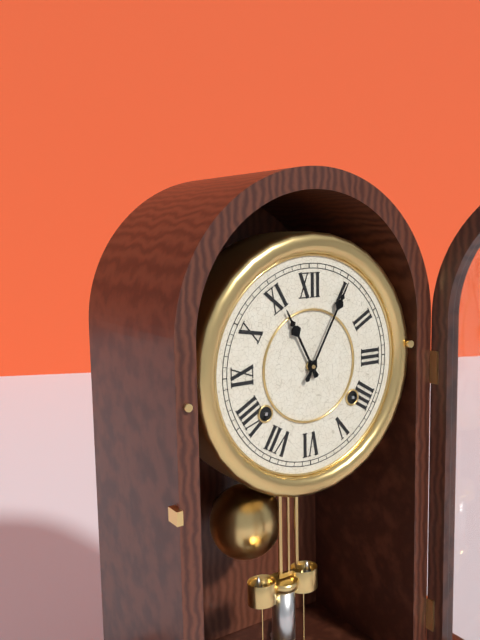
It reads 11,05
